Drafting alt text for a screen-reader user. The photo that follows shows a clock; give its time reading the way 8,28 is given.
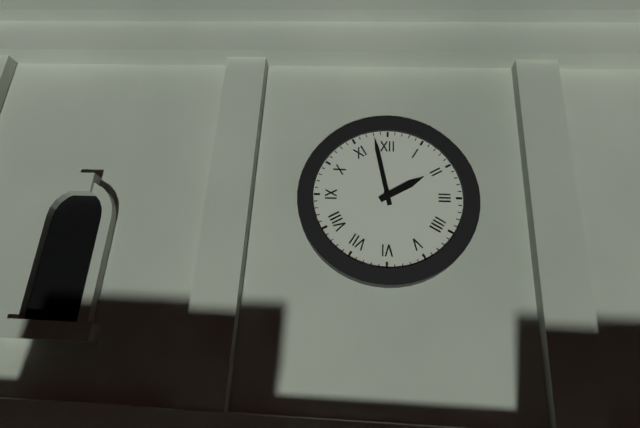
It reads 1,58
